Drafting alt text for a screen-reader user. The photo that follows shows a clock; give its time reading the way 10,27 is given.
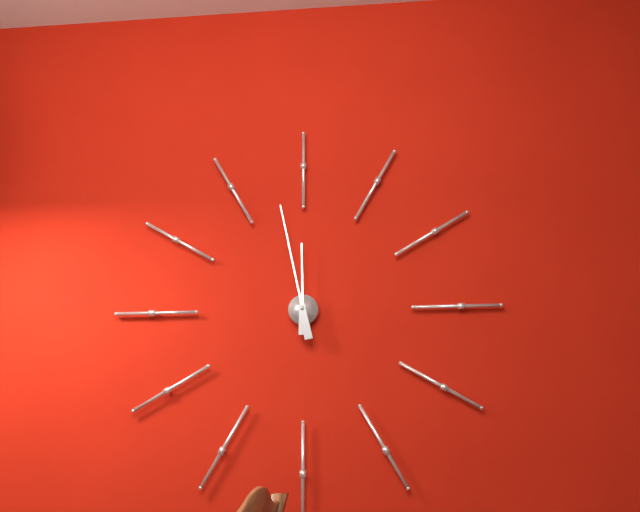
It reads 11,58
